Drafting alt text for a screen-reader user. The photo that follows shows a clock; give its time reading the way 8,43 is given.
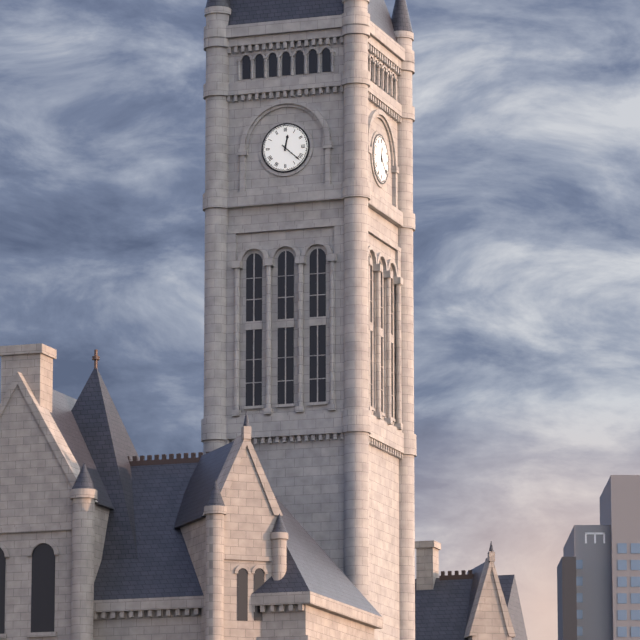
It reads 12,22
